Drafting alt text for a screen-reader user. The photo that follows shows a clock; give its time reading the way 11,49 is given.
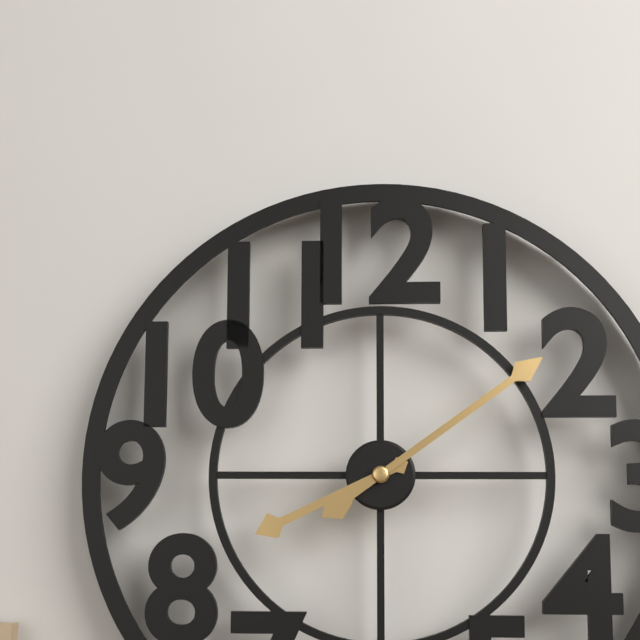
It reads 8,09
